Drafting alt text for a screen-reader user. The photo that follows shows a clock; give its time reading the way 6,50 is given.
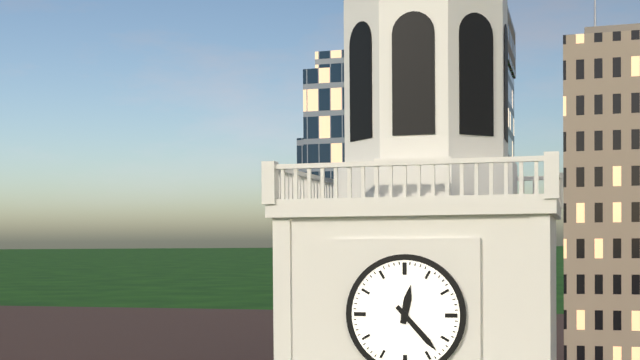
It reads 12,23
